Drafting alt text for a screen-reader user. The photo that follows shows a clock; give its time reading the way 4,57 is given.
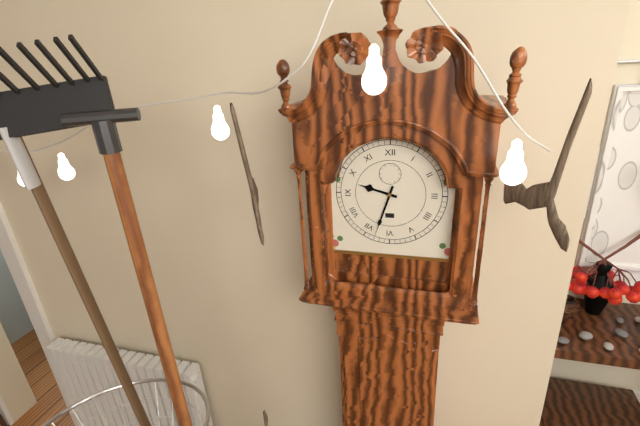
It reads 9,33
